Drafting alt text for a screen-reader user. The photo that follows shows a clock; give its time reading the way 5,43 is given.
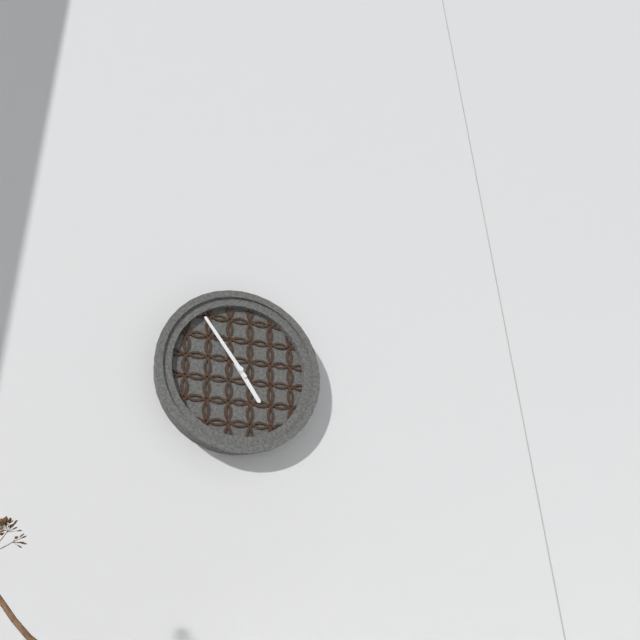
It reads 4,54
